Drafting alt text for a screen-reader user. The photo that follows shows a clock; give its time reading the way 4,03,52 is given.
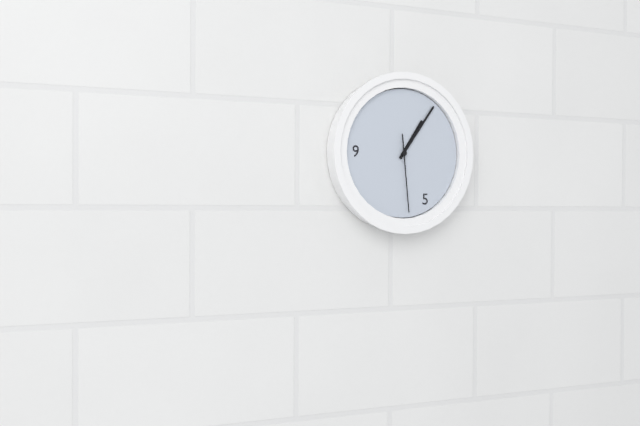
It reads 1,06,29
